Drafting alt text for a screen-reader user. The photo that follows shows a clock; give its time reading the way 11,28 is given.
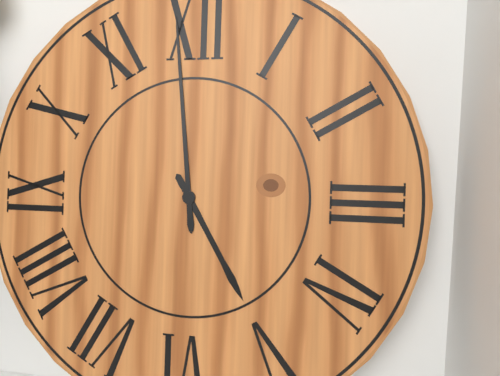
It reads 4,59
